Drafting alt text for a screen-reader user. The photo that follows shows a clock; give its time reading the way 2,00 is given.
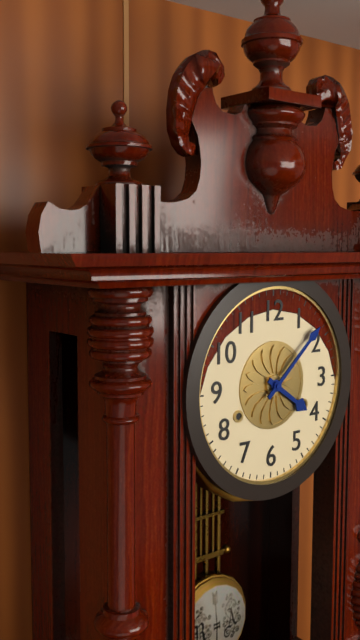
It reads 4,08
